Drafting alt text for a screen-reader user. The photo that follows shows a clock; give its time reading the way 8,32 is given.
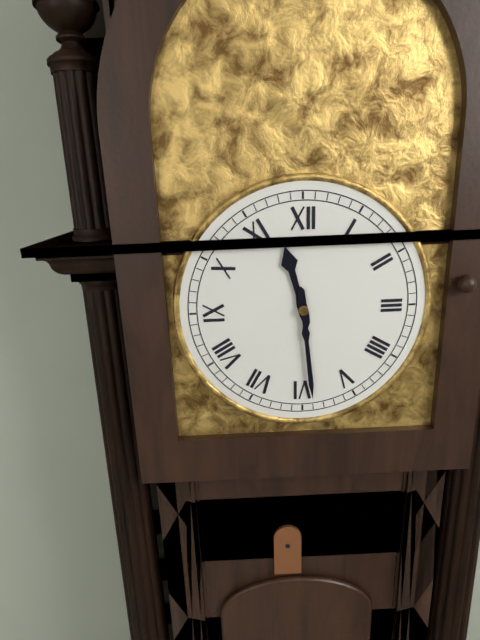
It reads 11,29
